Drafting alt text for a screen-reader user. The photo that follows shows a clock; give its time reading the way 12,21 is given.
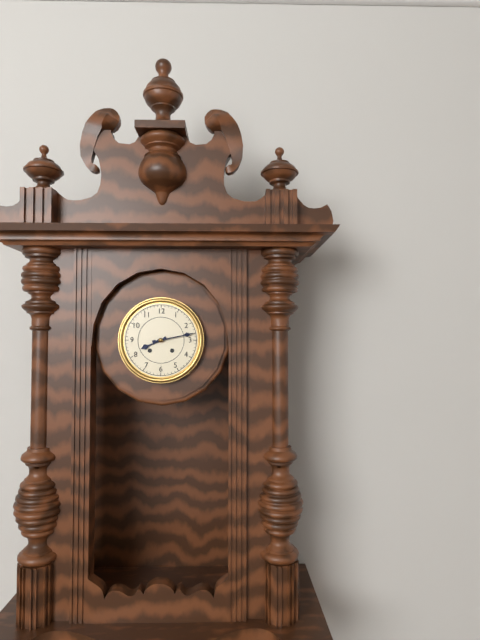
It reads 8,13
